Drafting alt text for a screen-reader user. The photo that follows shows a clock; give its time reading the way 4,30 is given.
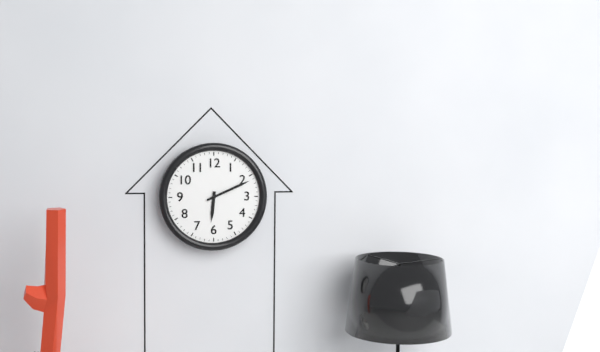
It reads 6,11
